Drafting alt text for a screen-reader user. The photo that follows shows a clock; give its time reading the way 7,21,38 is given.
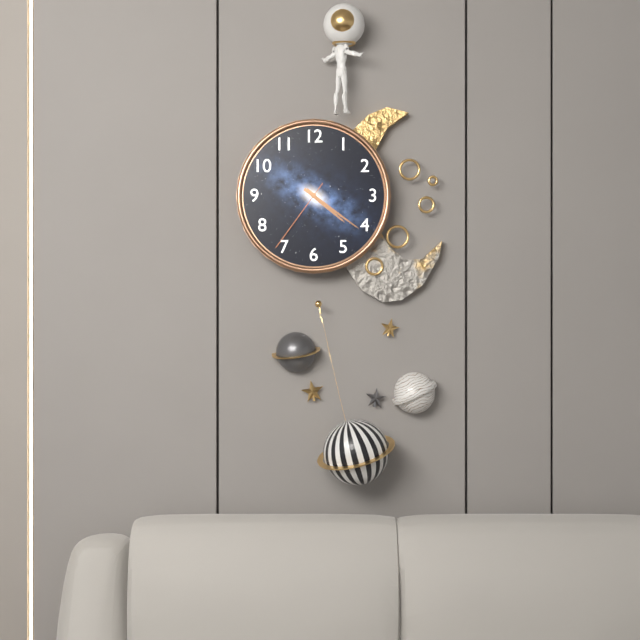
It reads 4,21,36
